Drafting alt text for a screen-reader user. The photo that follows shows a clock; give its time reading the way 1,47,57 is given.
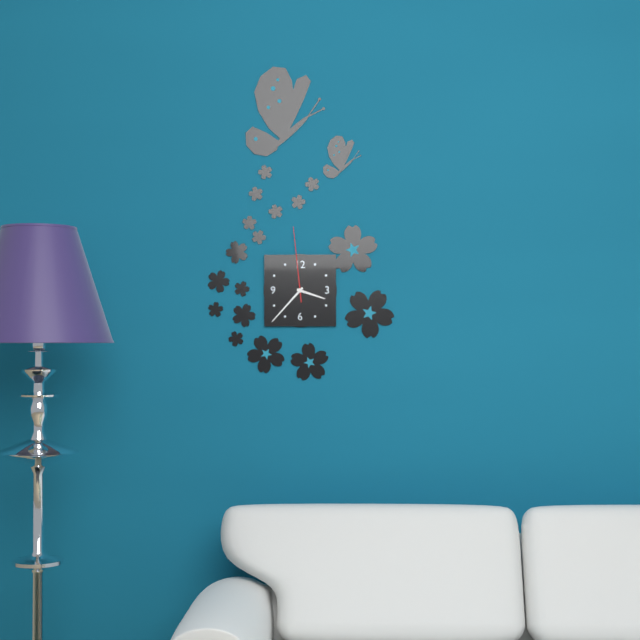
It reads 3,37,59
